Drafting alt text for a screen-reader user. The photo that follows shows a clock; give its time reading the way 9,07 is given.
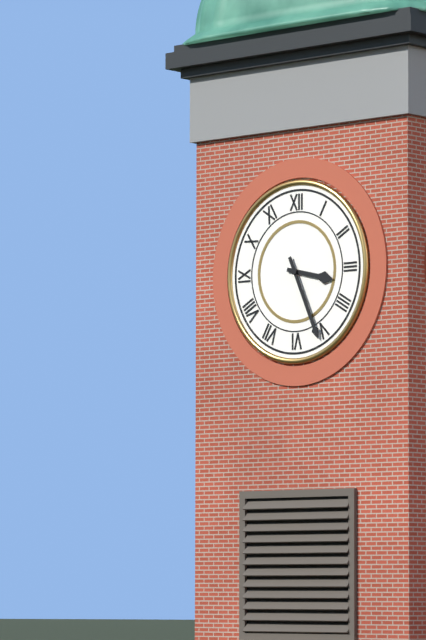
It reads 3,26
